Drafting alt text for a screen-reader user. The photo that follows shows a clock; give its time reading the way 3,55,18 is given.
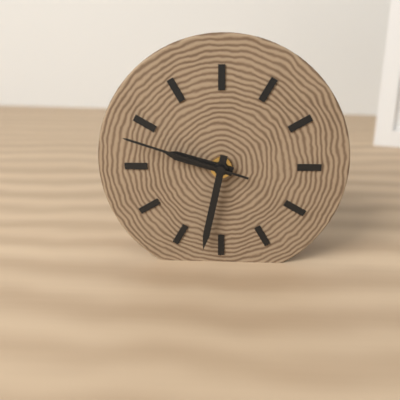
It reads 9,32,48
